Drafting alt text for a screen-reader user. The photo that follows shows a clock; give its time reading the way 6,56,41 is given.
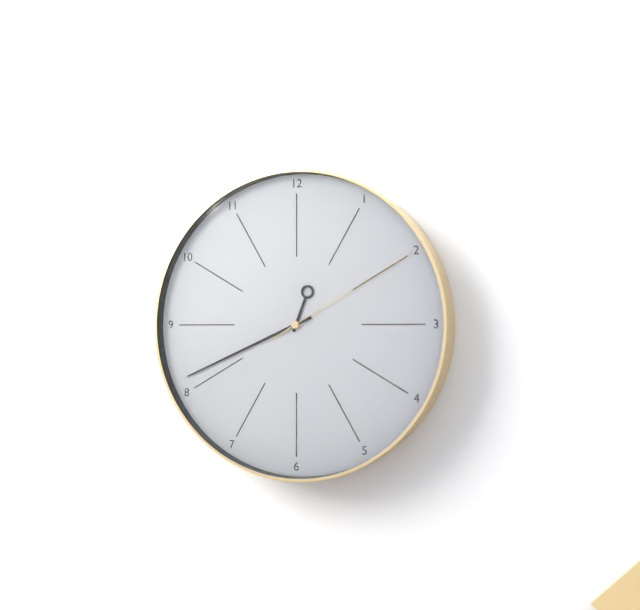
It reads 12,41,10
